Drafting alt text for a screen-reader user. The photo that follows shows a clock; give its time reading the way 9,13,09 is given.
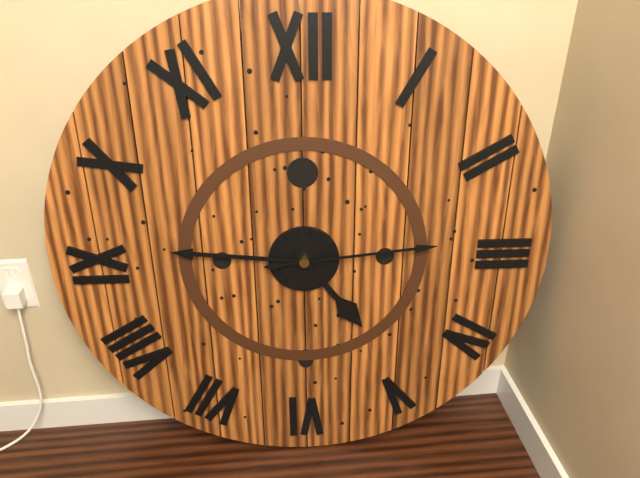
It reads 4,46,14
